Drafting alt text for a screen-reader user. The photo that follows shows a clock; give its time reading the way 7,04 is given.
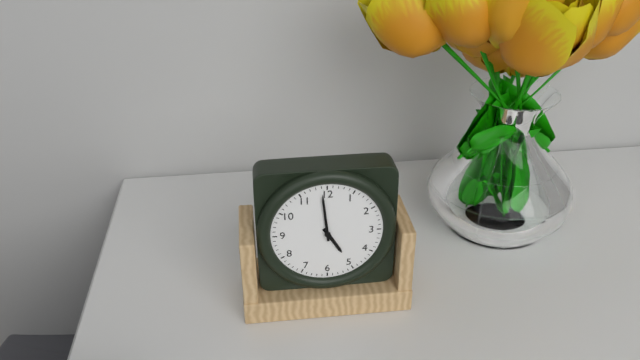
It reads 4,59
